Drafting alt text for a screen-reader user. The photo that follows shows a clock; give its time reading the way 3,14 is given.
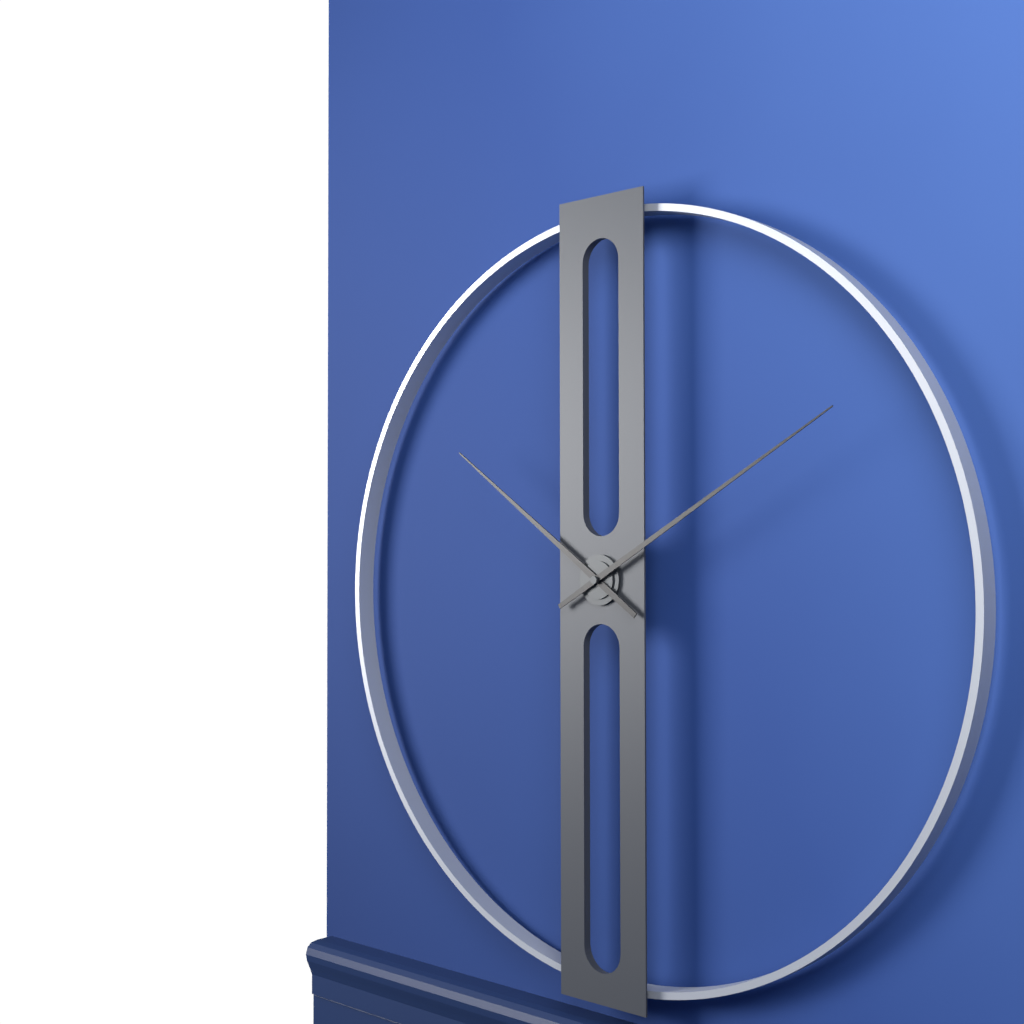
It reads 10,10
